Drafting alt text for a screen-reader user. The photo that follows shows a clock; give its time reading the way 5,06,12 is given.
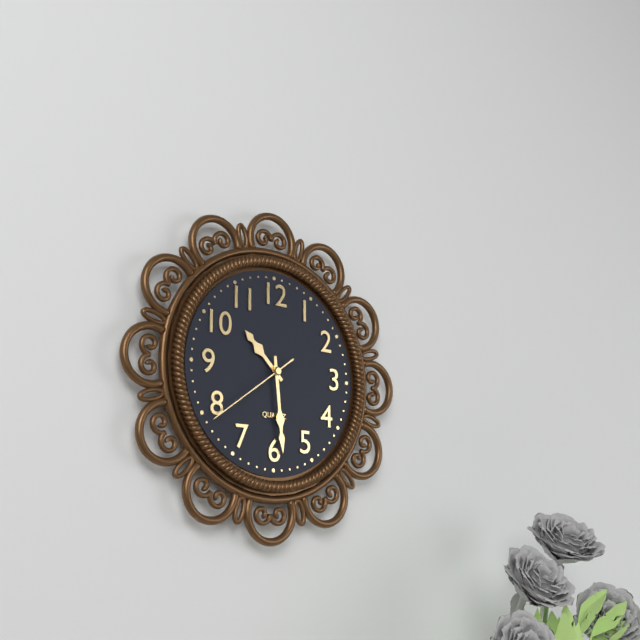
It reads 10,29,39
